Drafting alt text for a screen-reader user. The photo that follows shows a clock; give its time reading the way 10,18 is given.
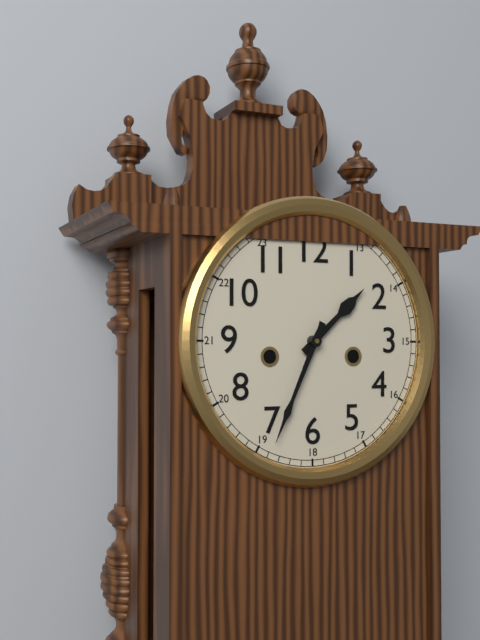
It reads 1,34
